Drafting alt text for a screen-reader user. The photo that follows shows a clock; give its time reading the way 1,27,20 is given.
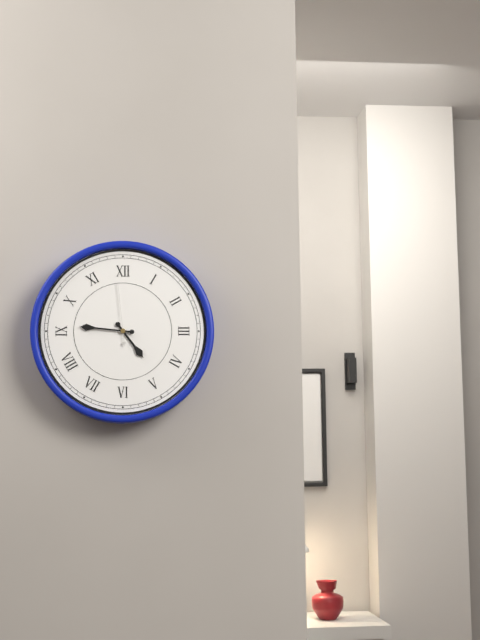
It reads 4,46,59
